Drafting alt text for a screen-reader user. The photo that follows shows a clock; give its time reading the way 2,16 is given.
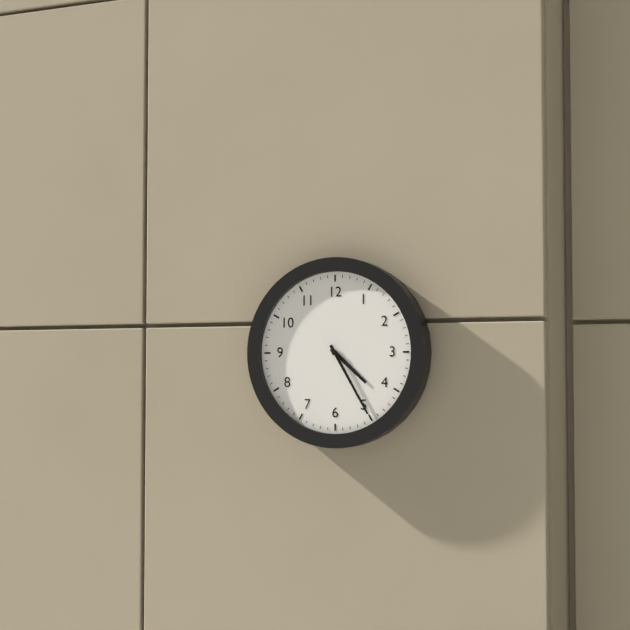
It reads 4,25
